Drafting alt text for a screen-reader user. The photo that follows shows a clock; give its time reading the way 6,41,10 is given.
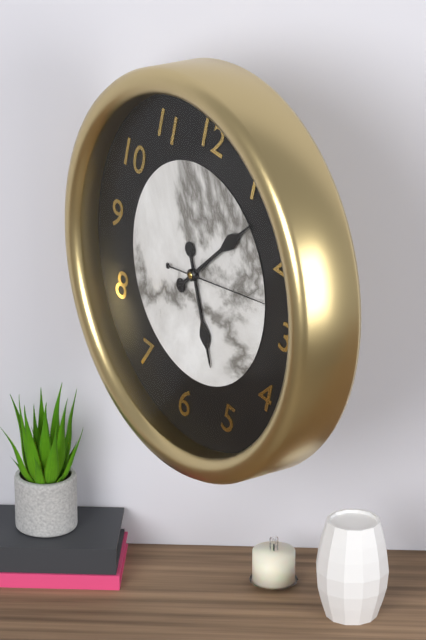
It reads 5,07,13
